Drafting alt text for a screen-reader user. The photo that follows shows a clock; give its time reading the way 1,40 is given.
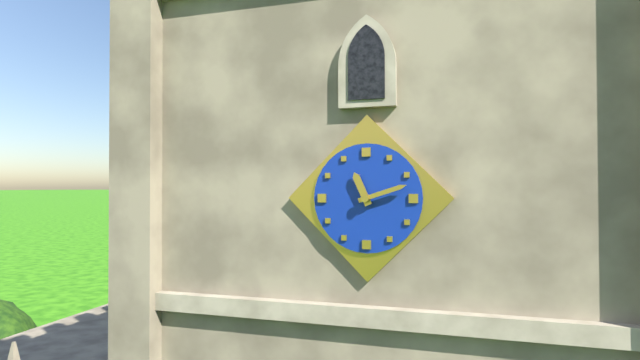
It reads 11,12
